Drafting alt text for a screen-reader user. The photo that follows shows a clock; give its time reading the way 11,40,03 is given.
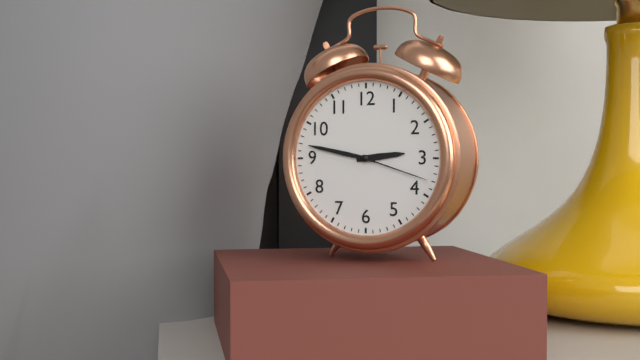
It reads 2,47,18
